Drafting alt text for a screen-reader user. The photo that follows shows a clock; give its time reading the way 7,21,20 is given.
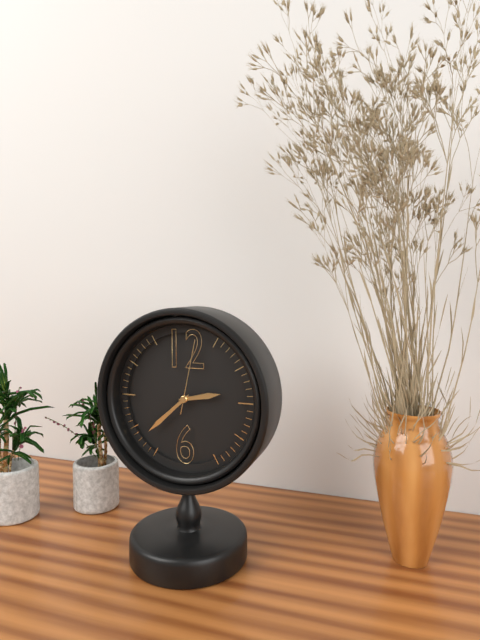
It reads 2,38,02
